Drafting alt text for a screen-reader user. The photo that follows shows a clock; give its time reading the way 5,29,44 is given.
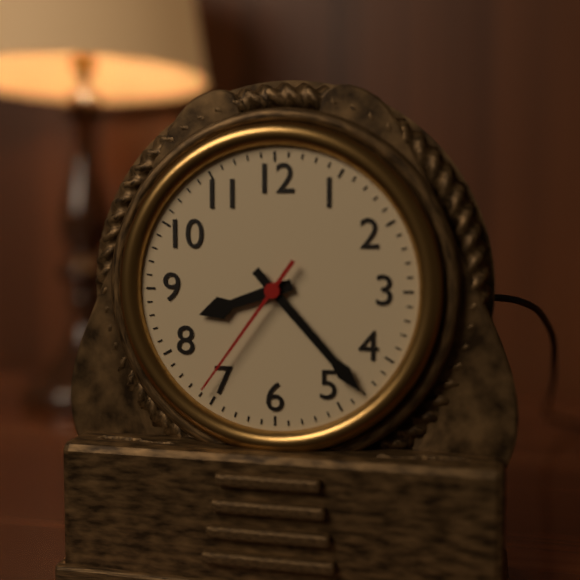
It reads 8,23,36
